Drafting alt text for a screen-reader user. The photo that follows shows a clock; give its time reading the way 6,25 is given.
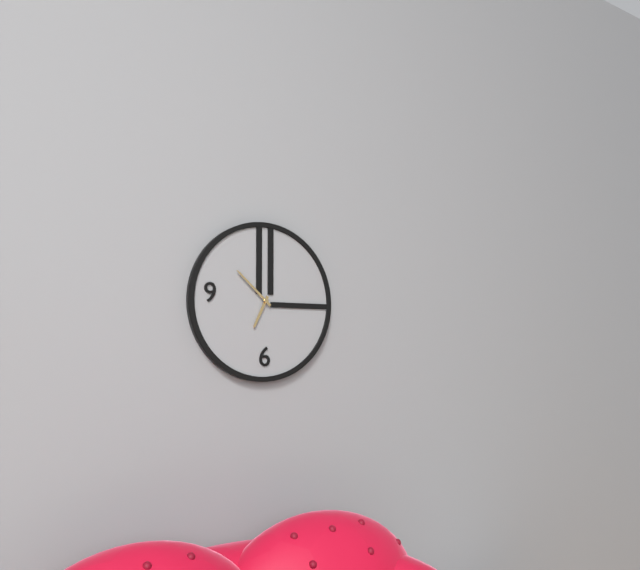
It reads 6,52
